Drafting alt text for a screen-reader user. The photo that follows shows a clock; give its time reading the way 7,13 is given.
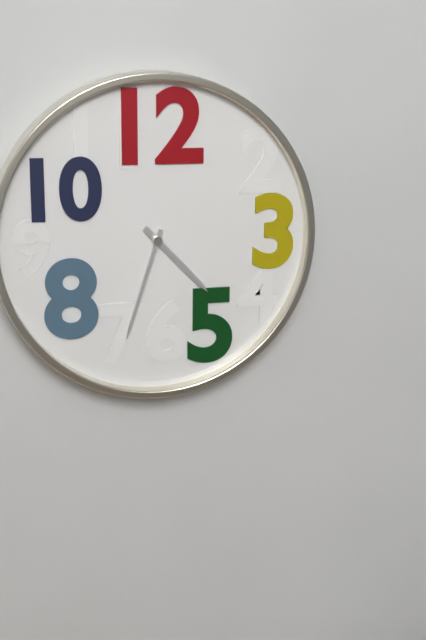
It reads 4,33
